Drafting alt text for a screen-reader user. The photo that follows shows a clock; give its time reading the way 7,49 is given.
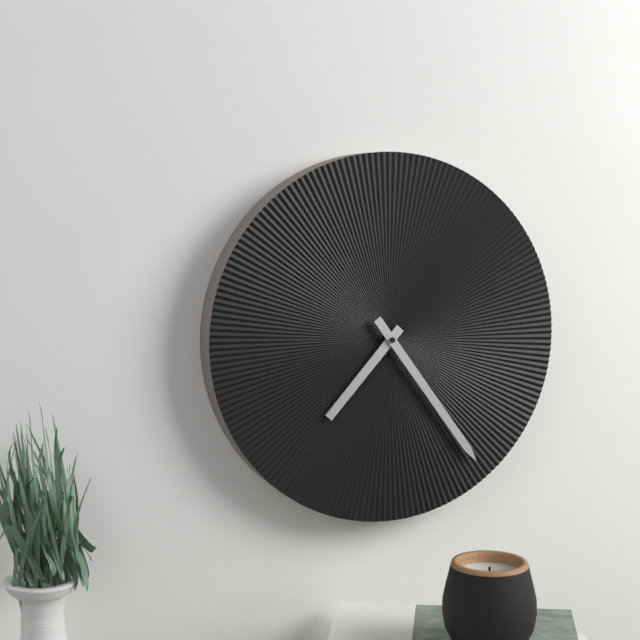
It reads 7,24
